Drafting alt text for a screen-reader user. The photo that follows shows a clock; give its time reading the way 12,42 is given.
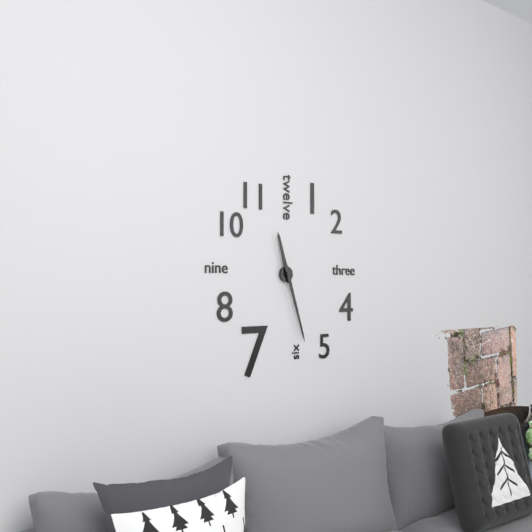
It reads 11,27
